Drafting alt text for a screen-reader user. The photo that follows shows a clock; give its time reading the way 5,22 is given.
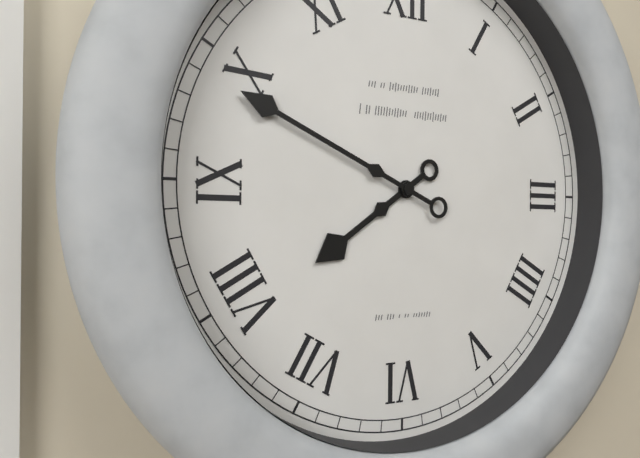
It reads 7,49
